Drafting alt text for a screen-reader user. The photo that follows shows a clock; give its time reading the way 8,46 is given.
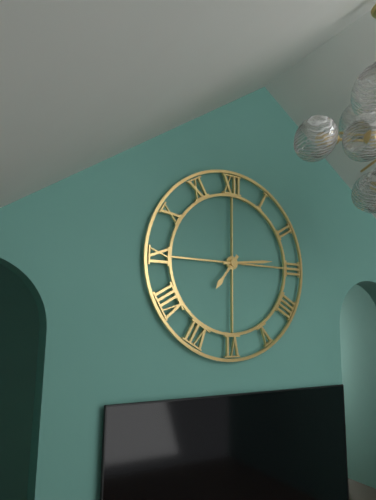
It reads 7,14
